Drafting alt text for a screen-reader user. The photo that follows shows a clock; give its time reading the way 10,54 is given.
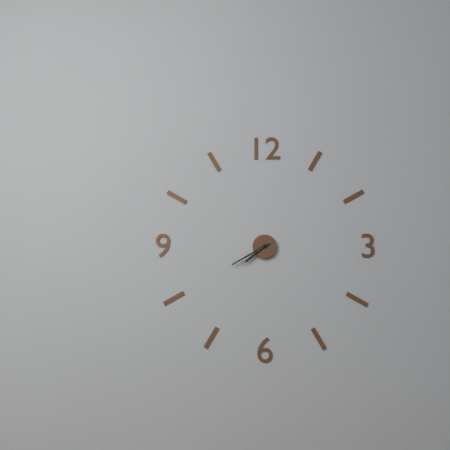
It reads 7,40
